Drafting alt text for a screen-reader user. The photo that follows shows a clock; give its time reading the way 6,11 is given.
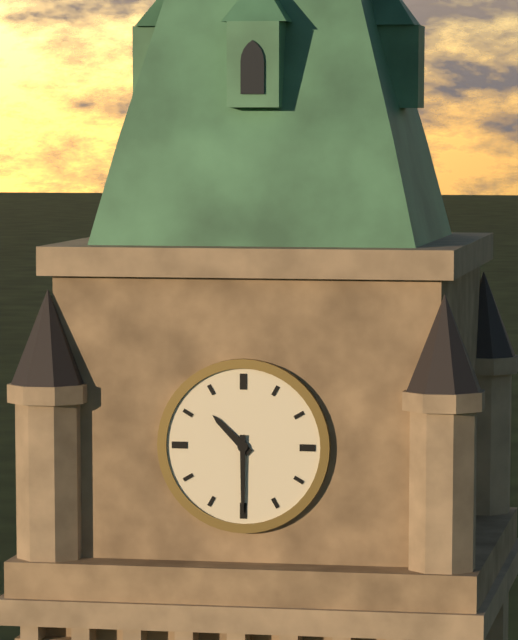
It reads 10,30
